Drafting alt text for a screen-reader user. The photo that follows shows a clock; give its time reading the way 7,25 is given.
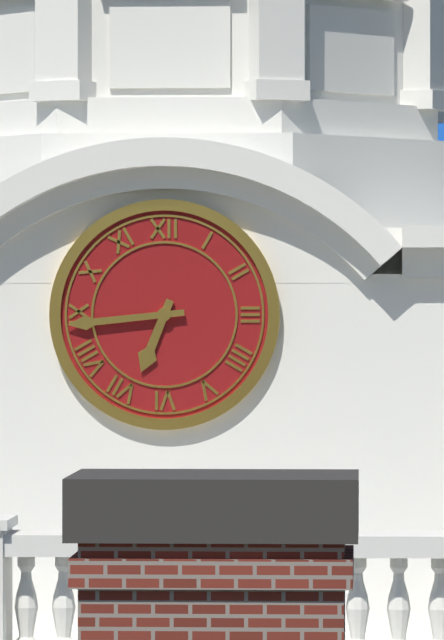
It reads 6,44
